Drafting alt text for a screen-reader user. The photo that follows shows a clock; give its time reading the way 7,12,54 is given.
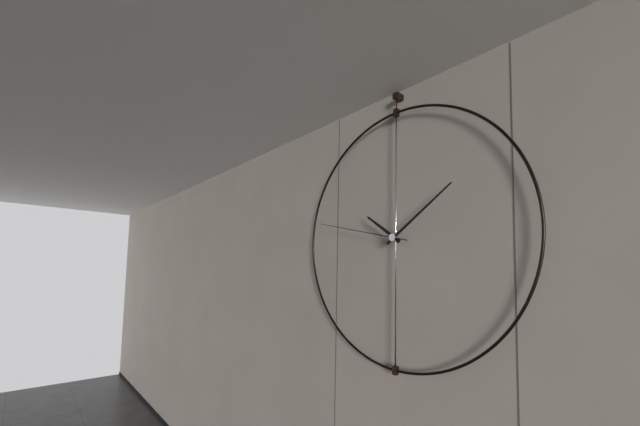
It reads 10,09,47
